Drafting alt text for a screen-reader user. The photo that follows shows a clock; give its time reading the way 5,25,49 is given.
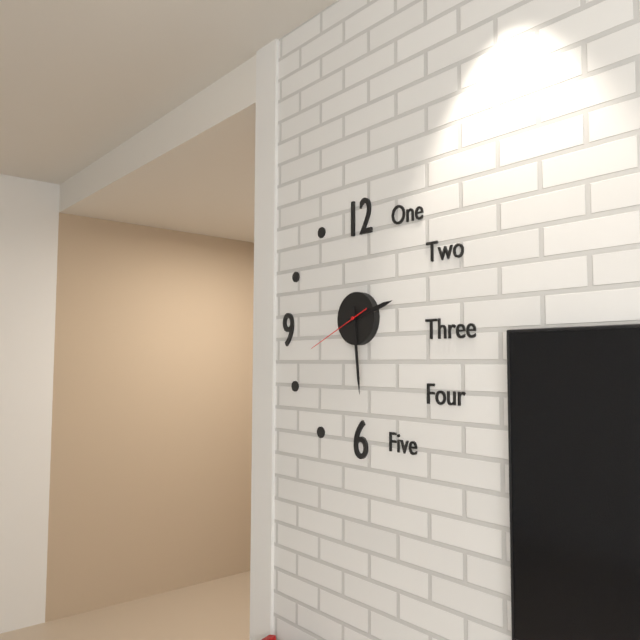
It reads 2,29,41
